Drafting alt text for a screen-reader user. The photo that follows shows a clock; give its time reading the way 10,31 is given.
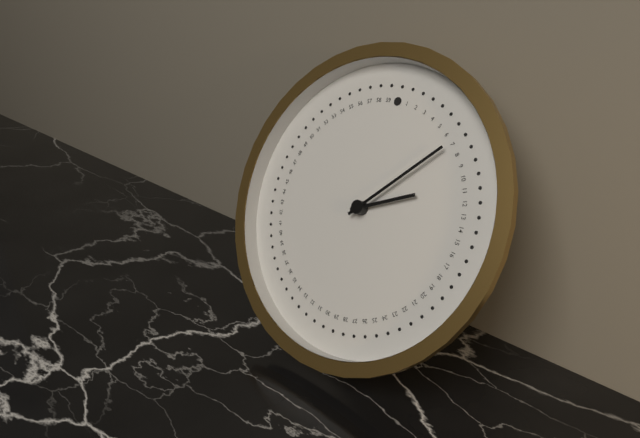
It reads 2,07
